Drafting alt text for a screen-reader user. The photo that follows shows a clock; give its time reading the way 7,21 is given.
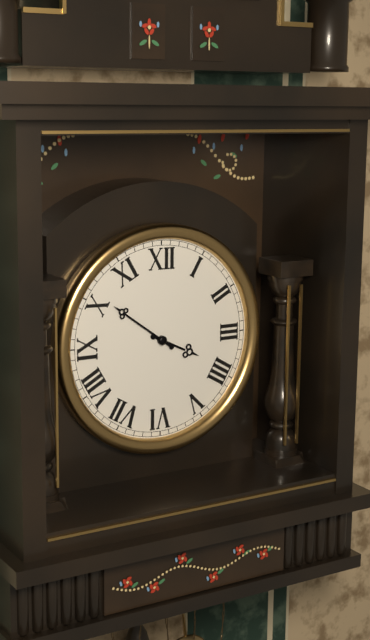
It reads 3,51
